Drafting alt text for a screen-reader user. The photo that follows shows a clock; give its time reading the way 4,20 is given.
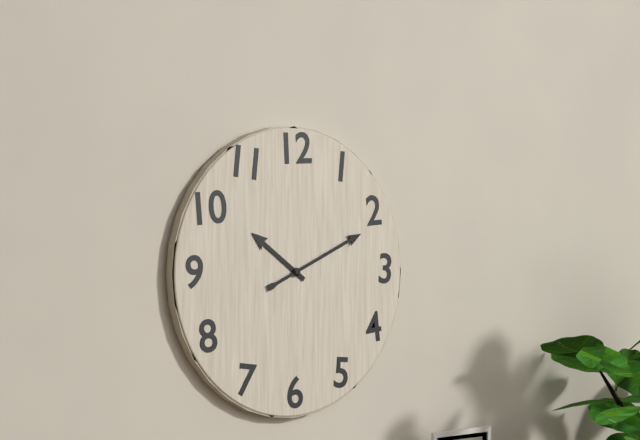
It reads 10,11
